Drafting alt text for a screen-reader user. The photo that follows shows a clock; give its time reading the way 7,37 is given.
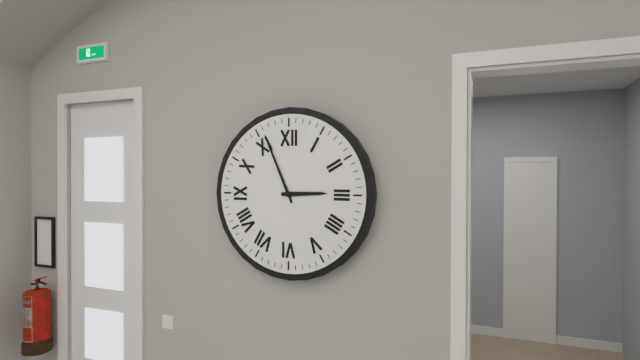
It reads 2,56
